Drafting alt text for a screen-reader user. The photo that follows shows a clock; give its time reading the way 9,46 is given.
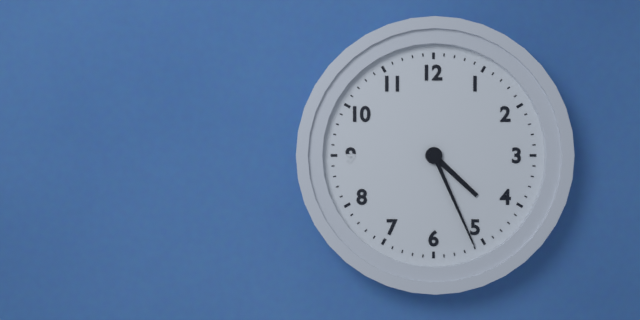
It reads 4,26
